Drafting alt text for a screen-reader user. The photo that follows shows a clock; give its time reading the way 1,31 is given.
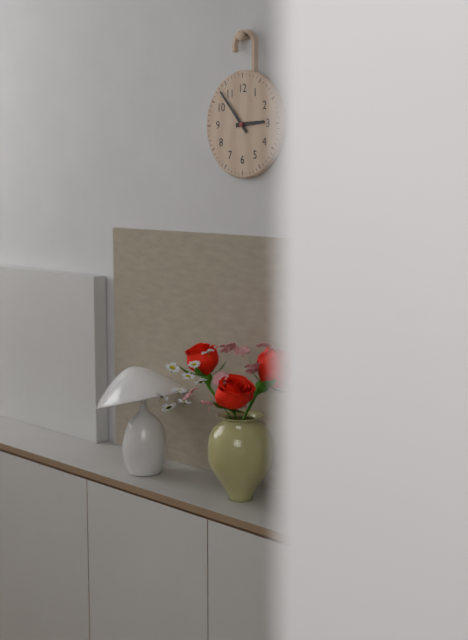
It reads 2,53
